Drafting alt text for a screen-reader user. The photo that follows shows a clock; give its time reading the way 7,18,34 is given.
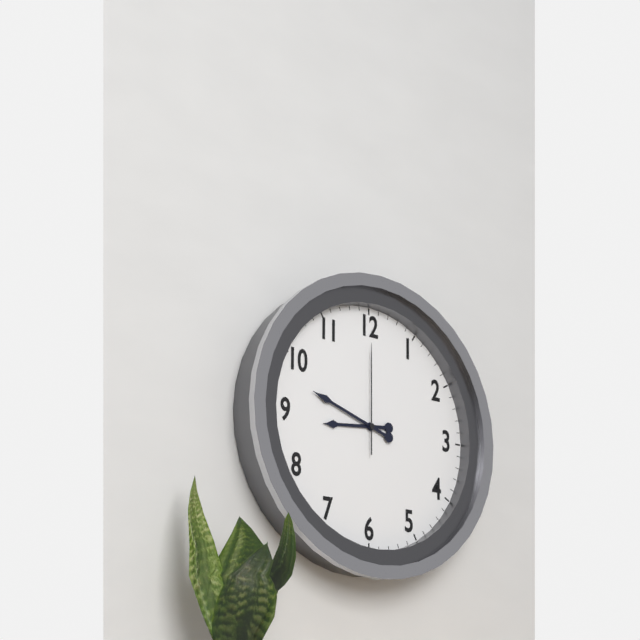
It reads 8,48,00
